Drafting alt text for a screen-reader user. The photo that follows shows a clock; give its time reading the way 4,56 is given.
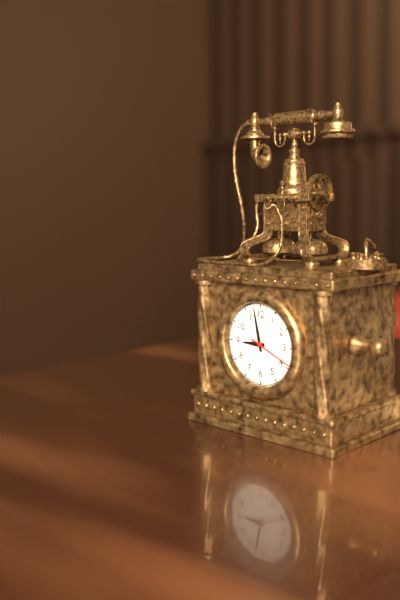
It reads 8,58
